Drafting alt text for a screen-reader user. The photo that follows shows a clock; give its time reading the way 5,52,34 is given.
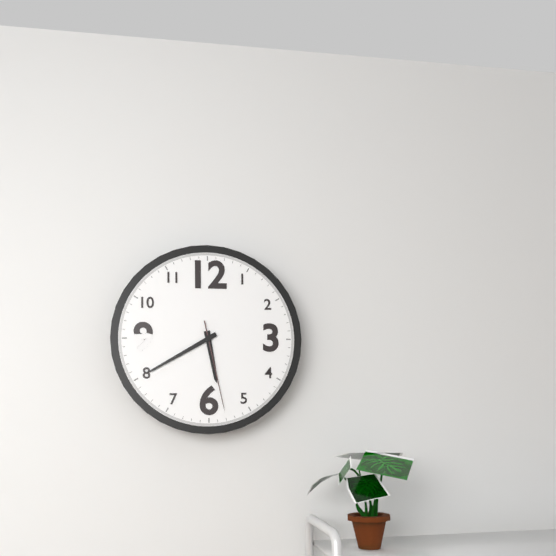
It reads 5,40,28
